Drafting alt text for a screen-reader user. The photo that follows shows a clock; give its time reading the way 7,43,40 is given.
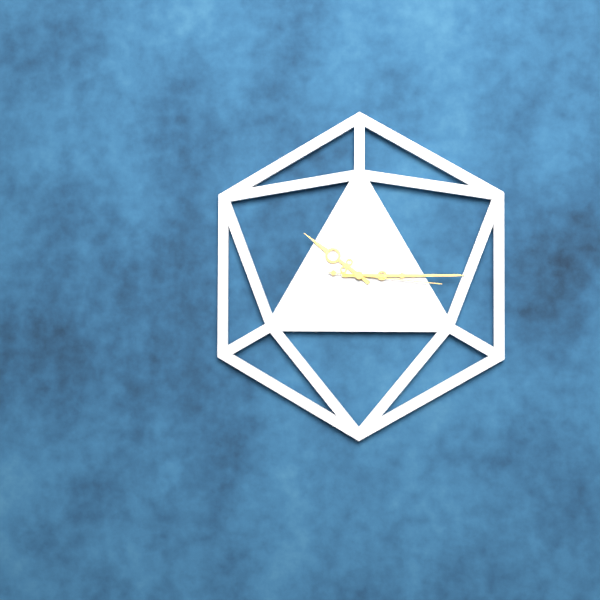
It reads 10,15,16
